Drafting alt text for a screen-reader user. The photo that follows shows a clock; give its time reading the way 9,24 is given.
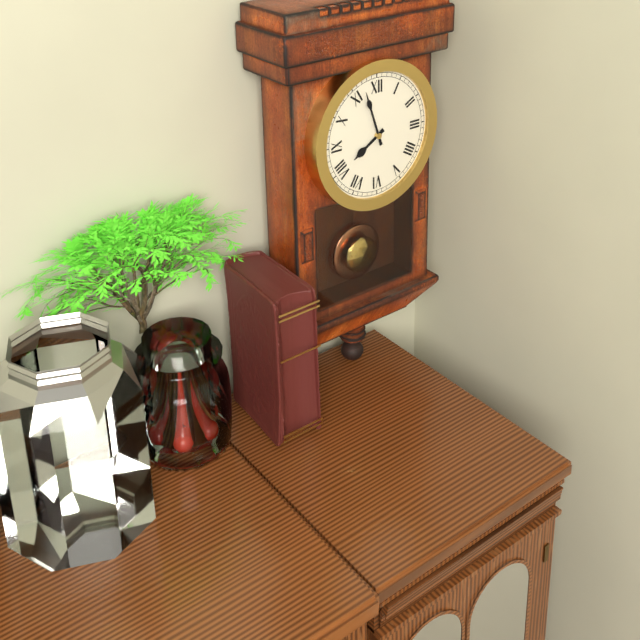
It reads 7,57
